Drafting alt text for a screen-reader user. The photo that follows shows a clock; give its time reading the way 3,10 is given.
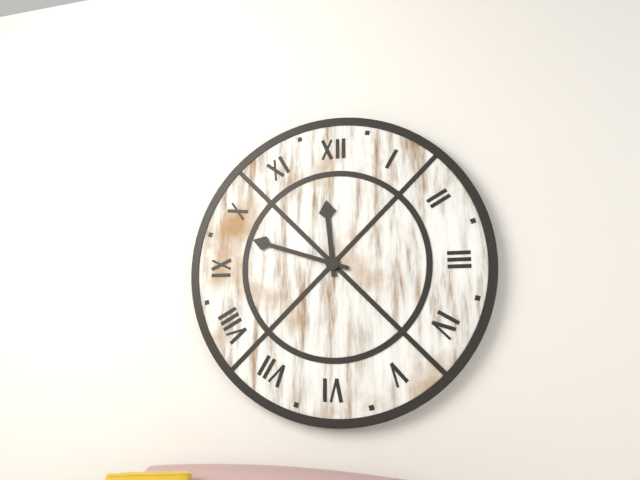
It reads 11,48
